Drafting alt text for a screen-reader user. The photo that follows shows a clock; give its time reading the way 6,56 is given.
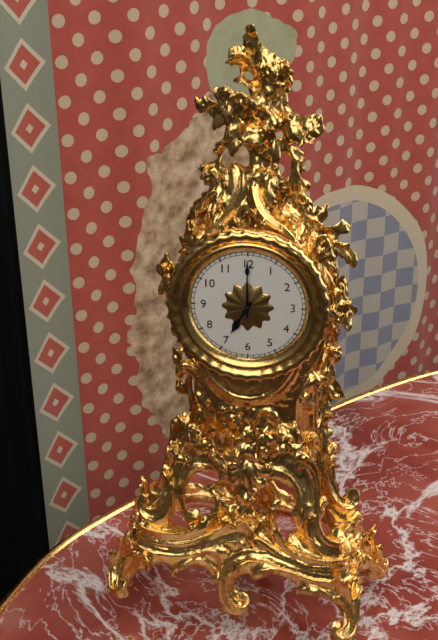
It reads 7,00
